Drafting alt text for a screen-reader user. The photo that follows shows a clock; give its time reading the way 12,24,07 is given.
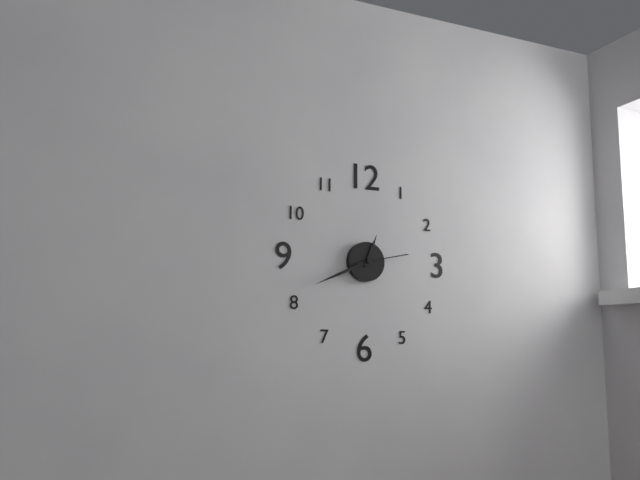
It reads 12,41,13
